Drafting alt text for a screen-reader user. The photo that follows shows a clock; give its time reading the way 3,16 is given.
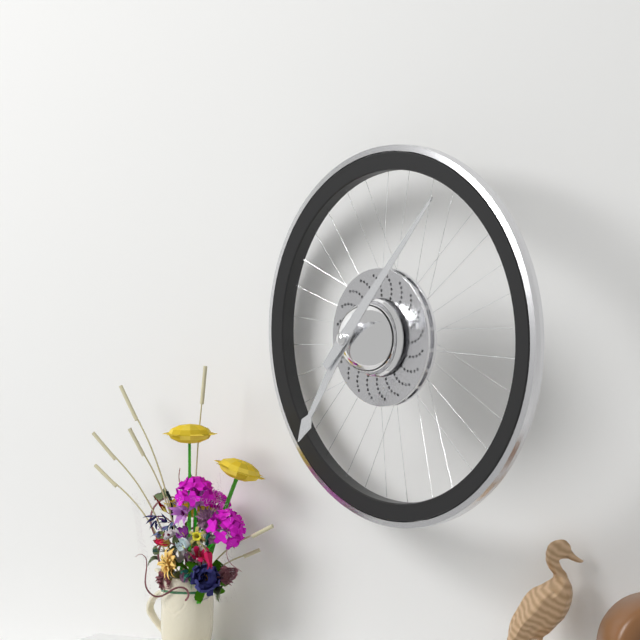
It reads 7,07
